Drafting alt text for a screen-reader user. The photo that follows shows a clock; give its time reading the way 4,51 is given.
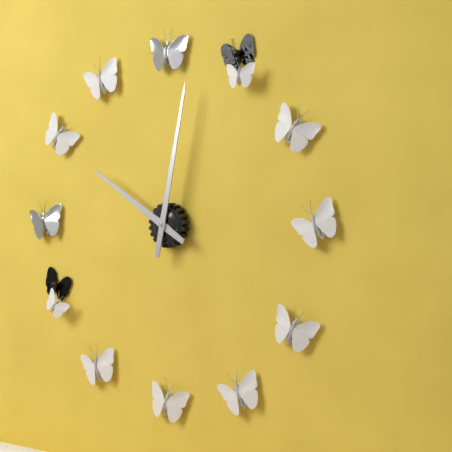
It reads 10,02
